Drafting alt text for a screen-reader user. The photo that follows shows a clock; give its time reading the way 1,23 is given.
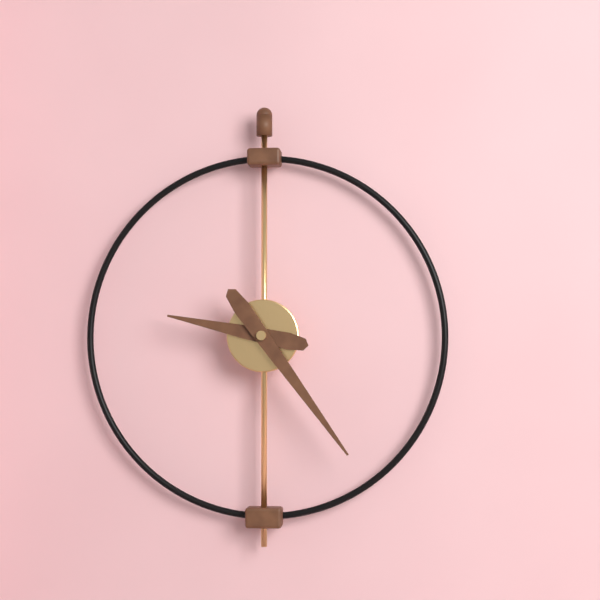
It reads 9,24
